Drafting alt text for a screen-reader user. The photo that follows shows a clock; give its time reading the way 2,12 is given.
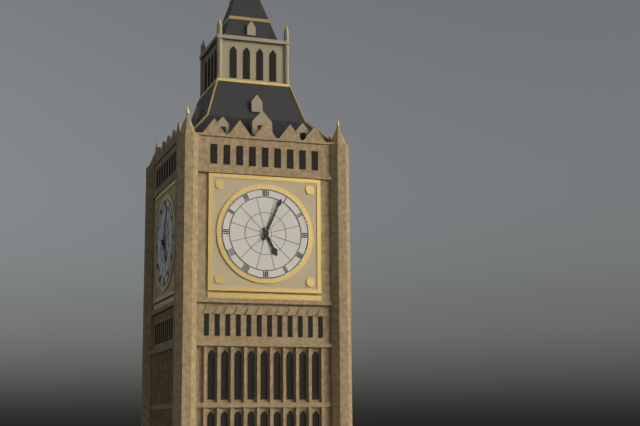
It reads 5,04
